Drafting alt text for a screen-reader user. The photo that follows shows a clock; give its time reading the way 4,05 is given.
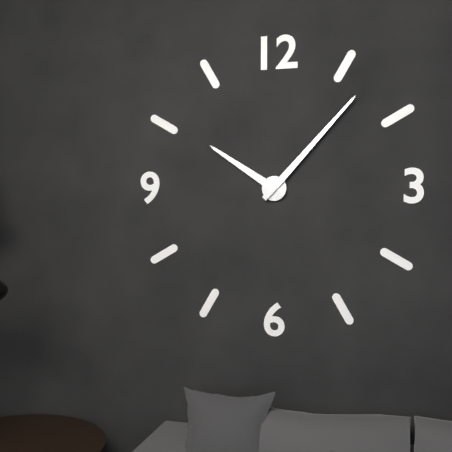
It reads 10,07
